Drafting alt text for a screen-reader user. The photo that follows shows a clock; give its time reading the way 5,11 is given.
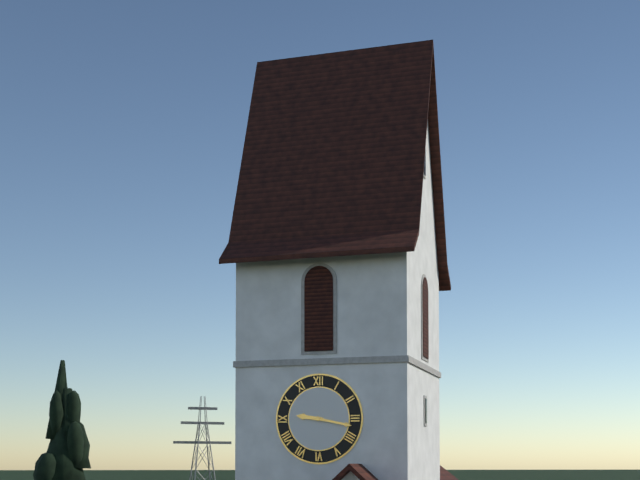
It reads 9,17
